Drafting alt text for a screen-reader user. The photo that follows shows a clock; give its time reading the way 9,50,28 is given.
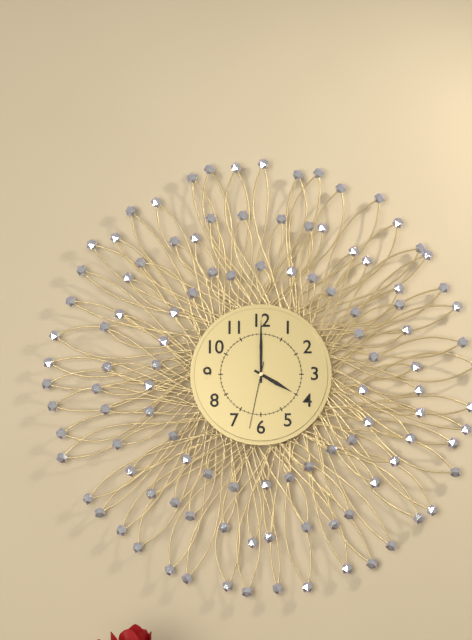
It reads 4,00,32
